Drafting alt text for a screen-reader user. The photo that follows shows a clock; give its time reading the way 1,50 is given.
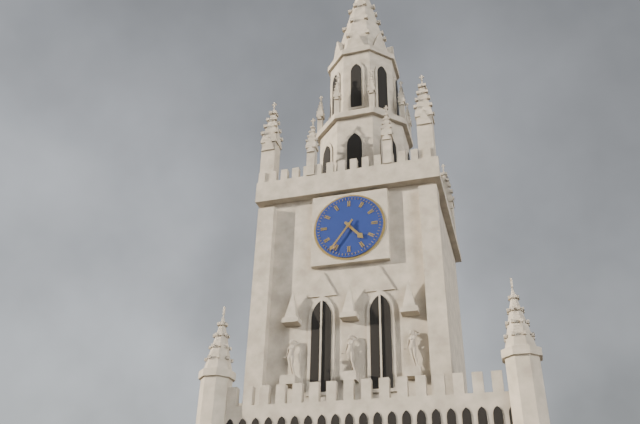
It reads 4,36
